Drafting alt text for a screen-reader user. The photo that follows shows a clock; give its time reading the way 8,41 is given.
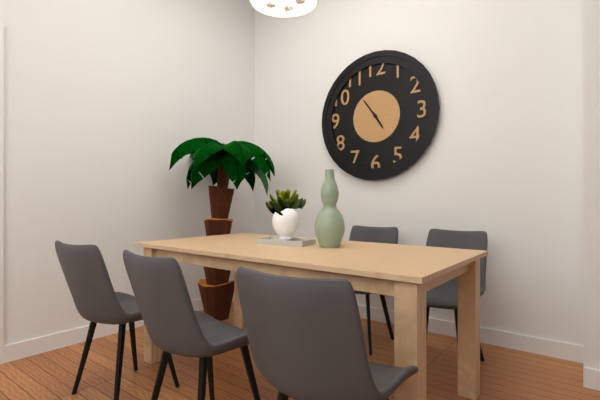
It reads 4,54
